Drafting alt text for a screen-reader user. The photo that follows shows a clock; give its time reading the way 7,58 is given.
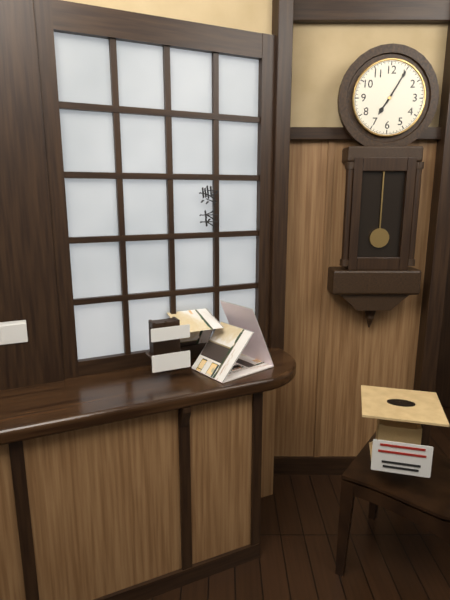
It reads 7,05
